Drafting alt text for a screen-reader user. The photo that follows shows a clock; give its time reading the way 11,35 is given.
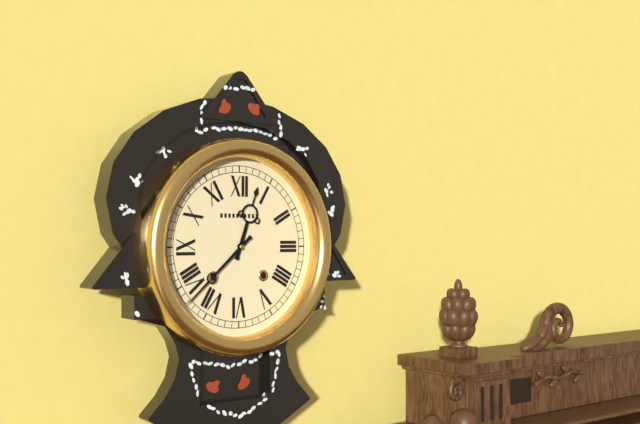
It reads 12,38
